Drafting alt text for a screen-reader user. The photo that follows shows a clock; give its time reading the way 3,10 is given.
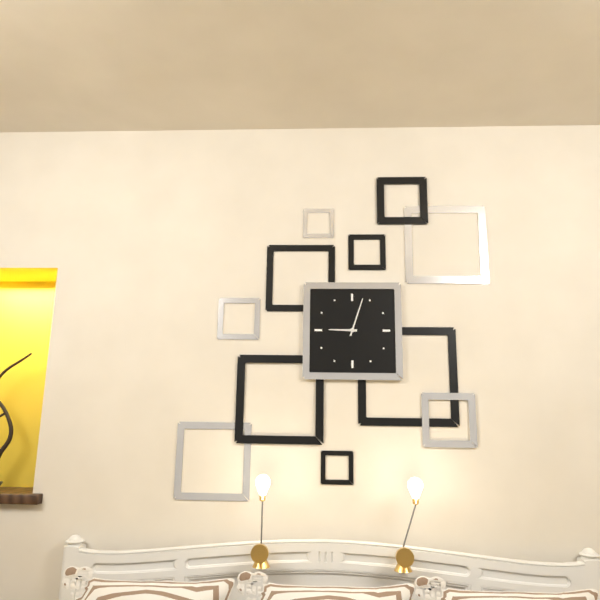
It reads 9,03
